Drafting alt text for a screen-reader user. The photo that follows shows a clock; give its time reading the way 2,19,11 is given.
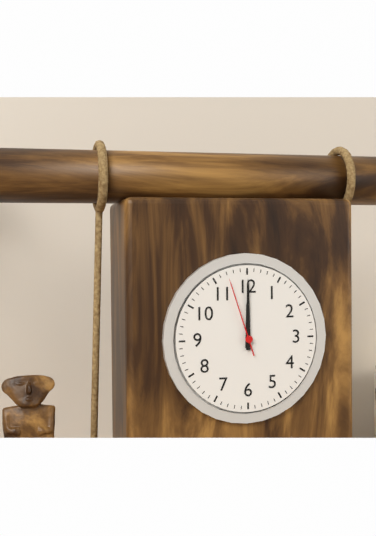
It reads 12,00,57
